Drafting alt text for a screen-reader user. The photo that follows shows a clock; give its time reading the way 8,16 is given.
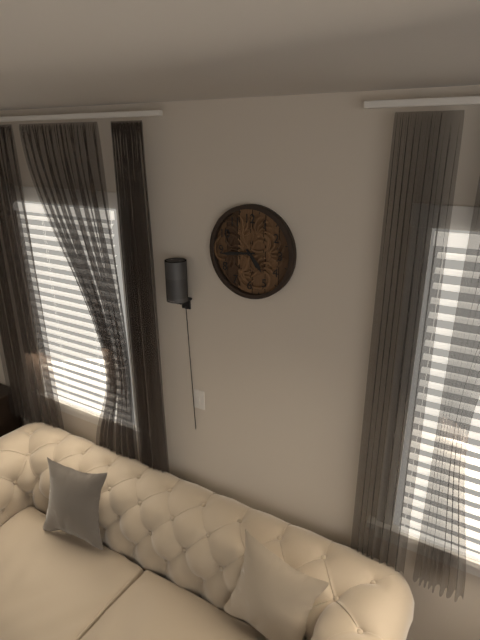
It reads 4,44
